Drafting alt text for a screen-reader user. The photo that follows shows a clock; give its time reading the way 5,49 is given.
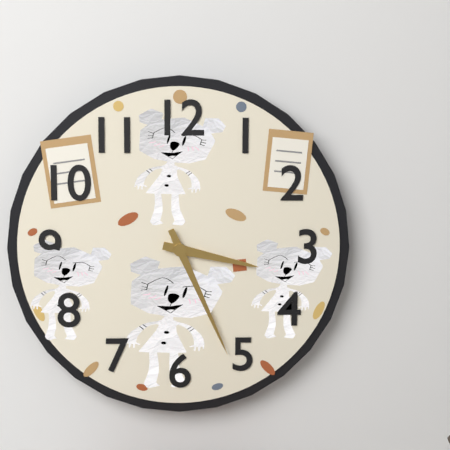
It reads 3,26
